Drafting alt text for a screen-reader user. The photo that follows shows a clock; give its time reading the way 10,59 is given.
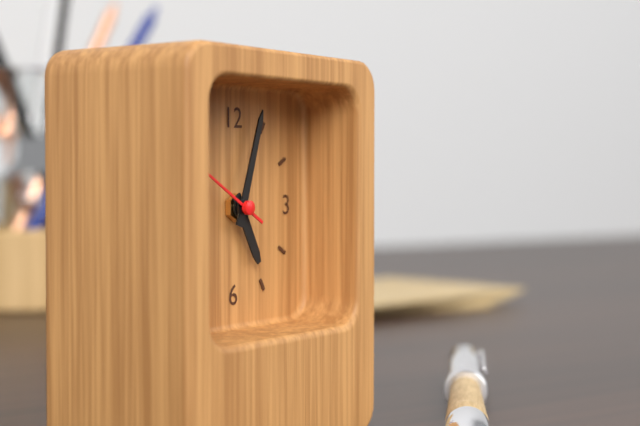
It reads 5,03
